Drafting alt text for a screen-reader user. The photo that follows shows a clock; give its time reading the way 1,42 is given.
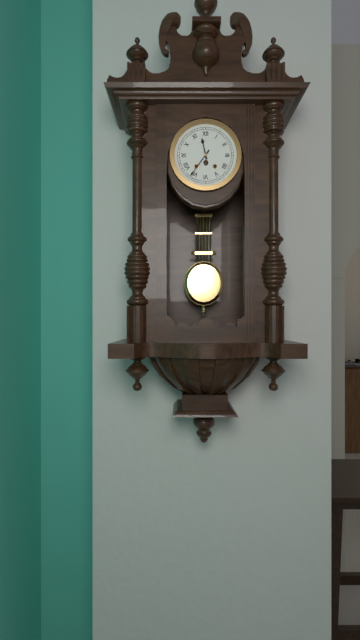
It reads 11,36
